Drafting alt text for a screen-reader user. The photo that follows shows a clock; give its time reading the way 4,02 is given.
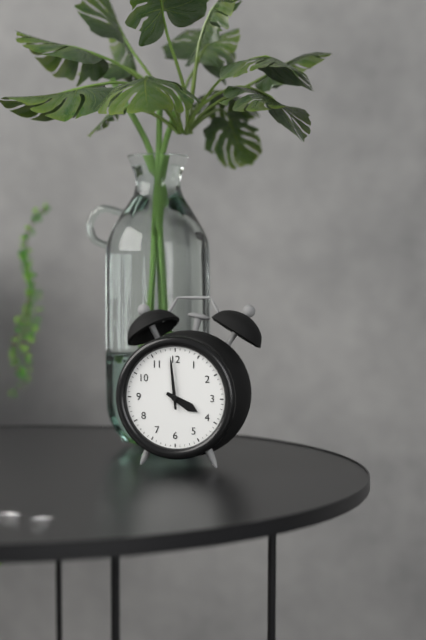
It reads 3,59
